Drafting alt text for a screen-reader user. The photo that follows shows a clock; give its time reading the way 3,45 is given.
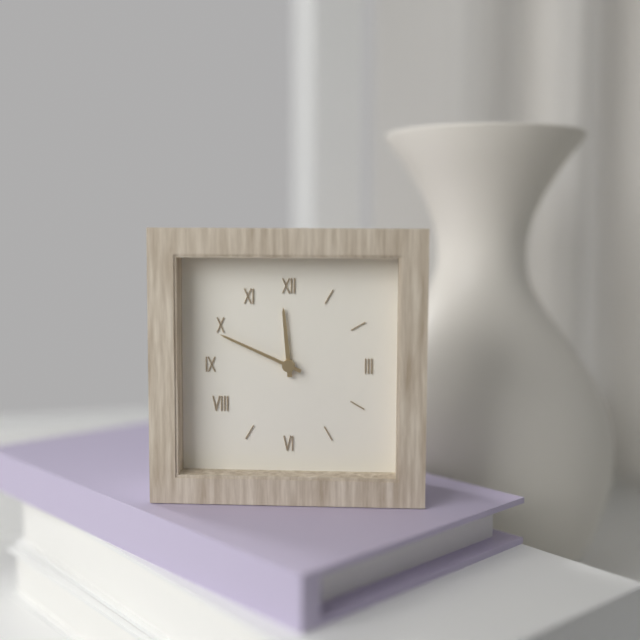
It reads 11,49
